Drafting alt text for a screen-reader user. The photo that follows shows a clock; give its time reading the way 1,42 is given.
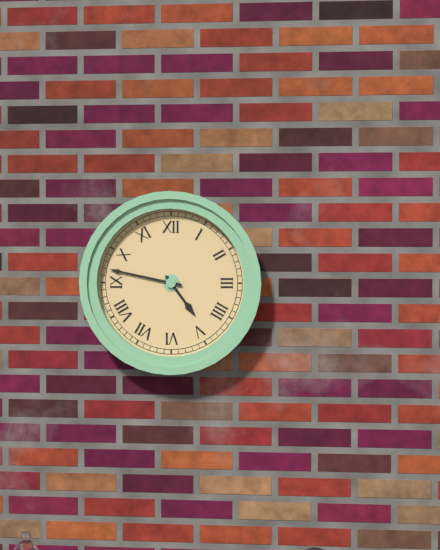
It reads 4,47
